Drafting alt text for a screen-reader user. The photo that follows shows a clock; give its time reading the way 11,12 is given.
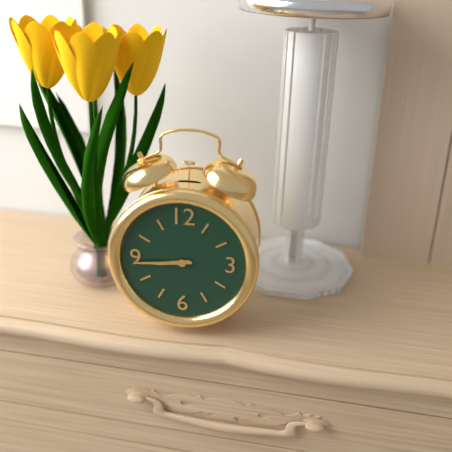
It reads 8,44
